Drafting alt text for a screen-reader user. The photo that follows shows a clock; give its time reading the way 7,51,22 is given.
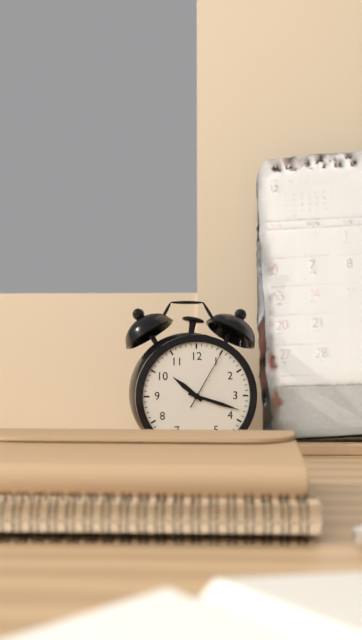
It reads 10,18,05
